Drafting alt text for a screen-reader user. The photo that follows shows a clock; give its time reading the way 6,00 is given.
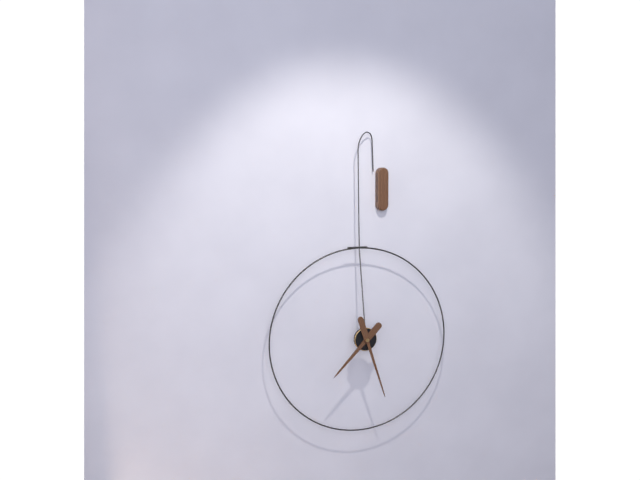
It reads 7,27
